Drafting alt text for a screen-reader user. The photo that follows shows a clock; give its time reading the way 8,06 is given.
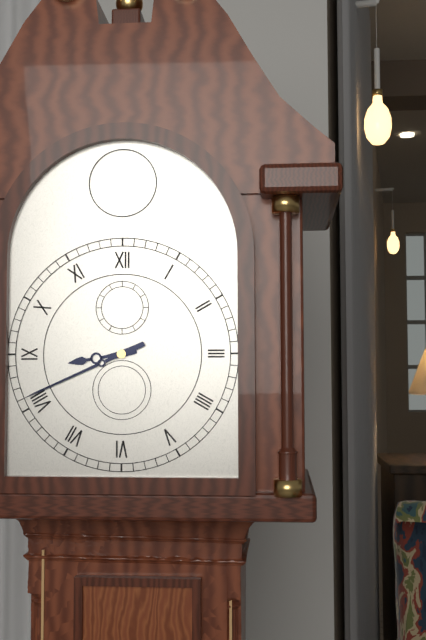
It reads 8,41
